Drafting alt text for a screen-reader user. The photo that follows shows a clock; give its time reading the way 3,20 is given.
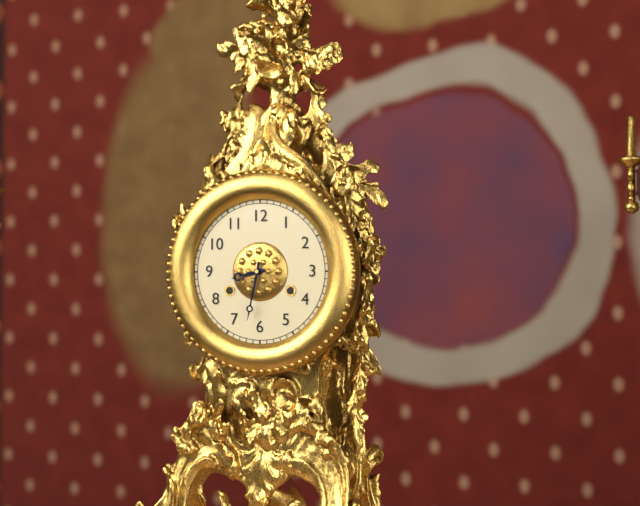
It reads 8,32
